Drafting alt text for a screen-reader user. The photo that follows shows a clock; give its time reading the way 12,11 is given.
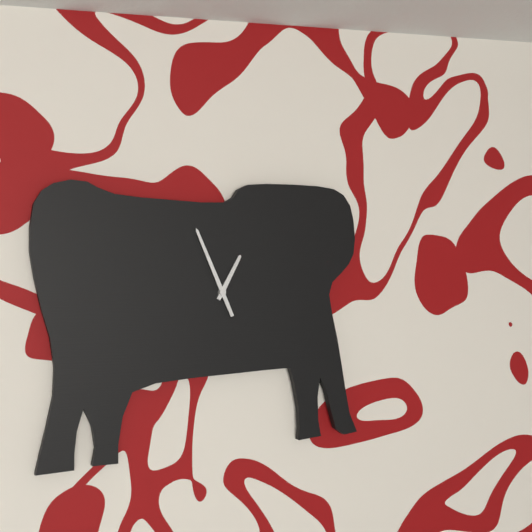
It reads 12,56
